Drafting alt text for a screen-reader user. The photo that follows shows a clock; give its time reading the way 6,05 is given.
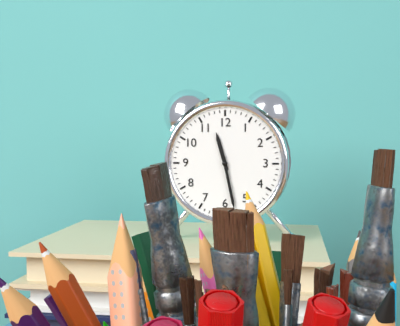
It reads 11,28
